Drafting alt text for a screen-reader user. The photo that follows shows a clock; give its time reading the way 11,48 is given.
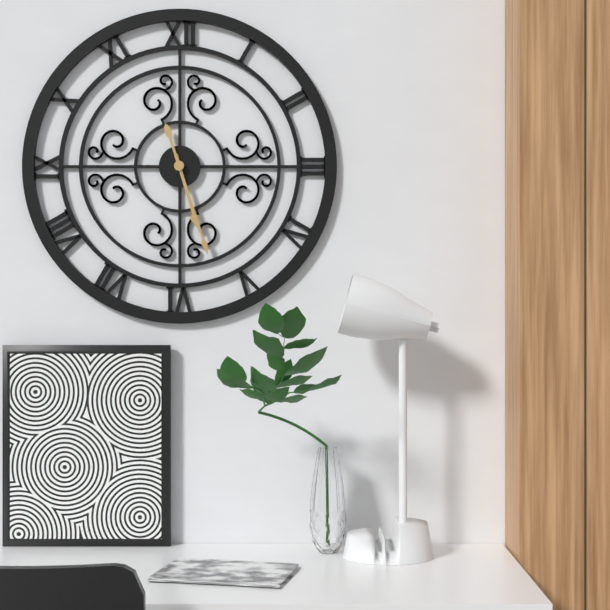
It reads 5,27
